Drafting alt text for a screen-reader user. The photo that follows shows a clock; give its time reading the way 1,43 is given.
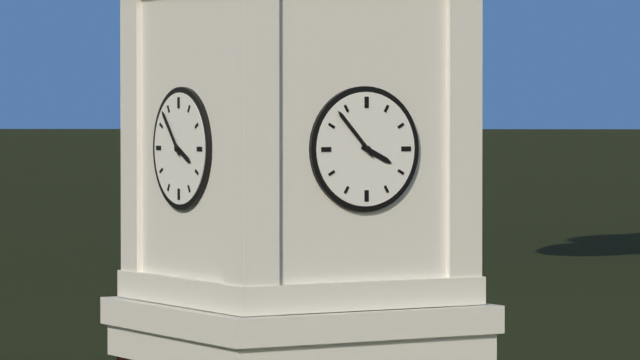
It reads 3,53
